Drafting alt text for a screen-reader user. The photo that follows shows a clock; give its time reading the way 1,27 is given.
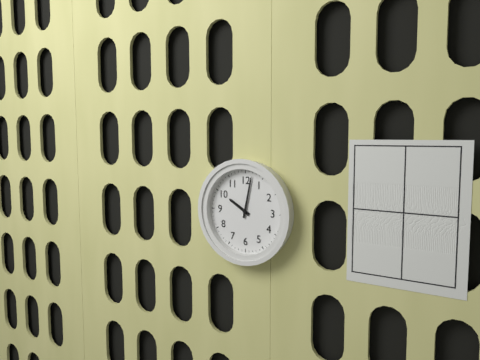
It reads 10,02
